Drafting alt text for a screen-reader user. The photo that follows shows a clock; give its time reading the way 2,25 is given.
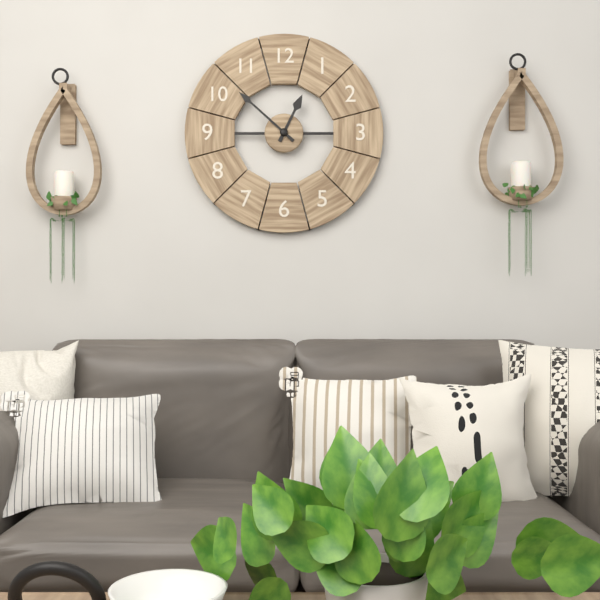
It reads 12,52
